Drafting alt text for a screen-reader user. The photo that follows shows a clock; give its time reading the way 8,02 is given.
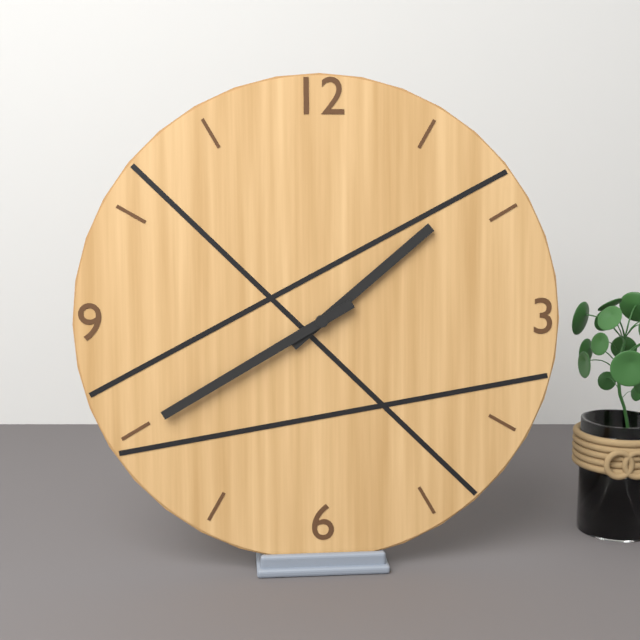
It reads 1,40
